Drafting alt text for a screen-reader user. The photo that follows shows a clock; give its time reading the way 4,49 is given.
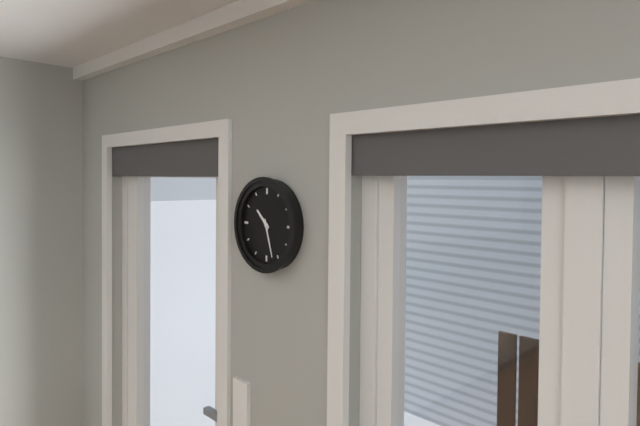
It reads 10,27
